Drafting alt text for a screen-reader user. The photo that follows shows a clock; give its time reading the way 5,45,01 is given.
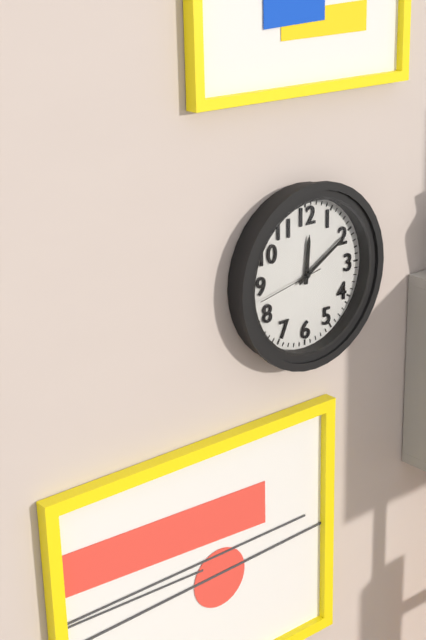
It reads 12,10,43
